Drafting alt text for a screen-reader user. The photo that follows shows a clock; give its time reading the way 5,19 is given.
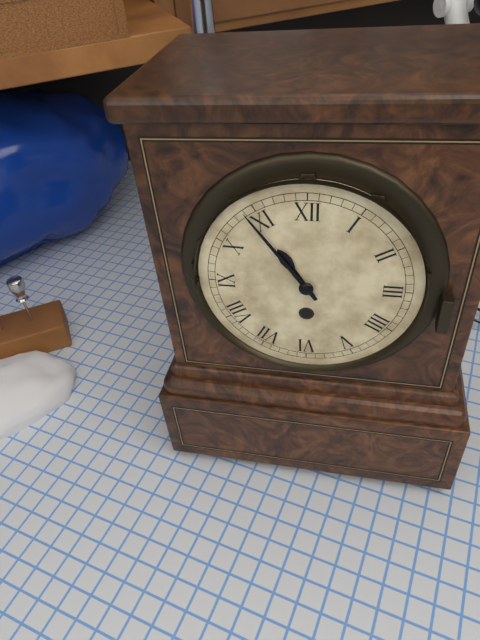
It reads 10,54
